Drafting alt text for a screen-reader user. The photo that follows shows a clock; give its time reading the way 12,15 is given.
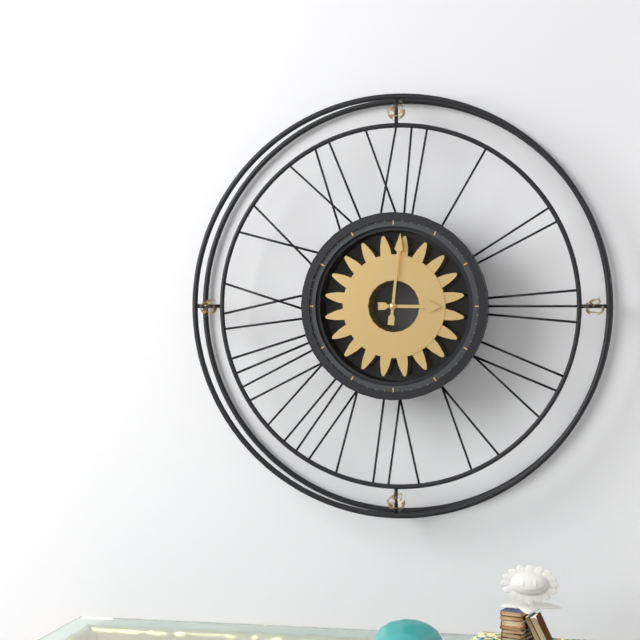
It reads 3,01
